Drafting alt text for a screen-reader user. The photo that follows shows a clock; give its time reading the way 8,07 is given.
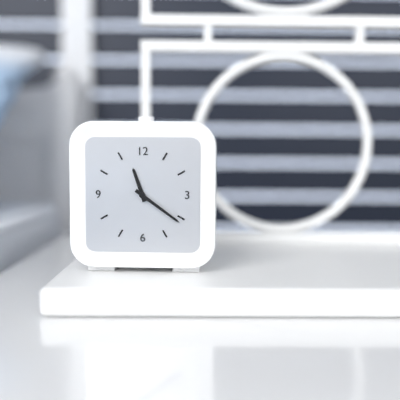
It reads 11,21
